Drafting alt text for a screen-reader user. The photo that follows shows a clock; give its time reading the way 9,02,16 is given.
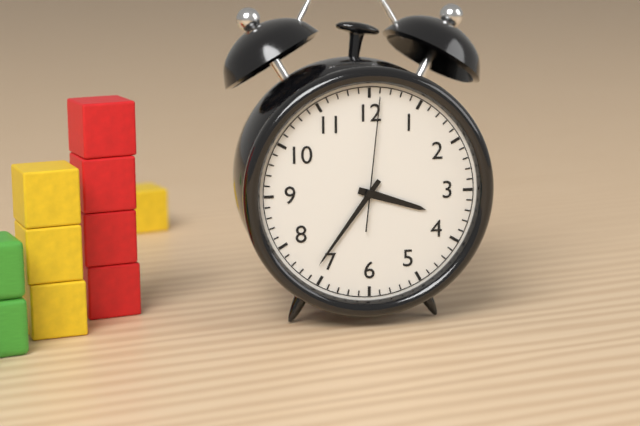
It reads 3,36,01
